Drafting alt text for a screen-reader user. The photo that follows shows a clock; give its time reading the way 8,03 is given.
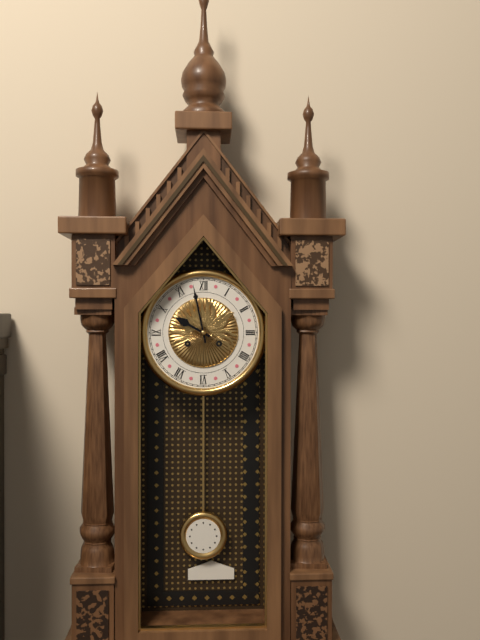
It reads 9,58
